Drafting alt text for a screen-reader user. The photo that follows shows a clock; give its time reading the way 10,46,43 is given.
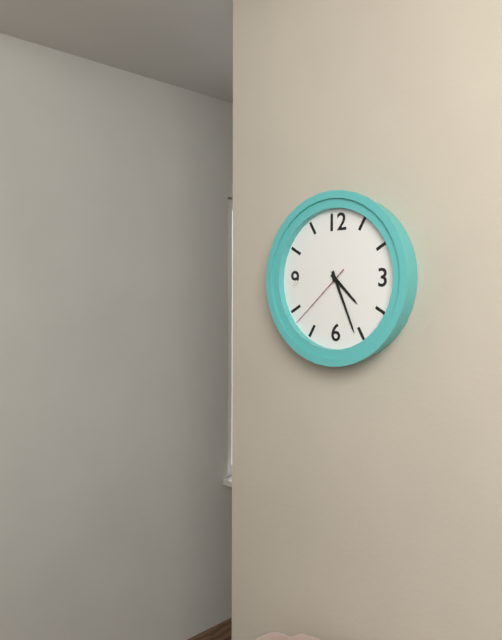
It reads 4,26,38
